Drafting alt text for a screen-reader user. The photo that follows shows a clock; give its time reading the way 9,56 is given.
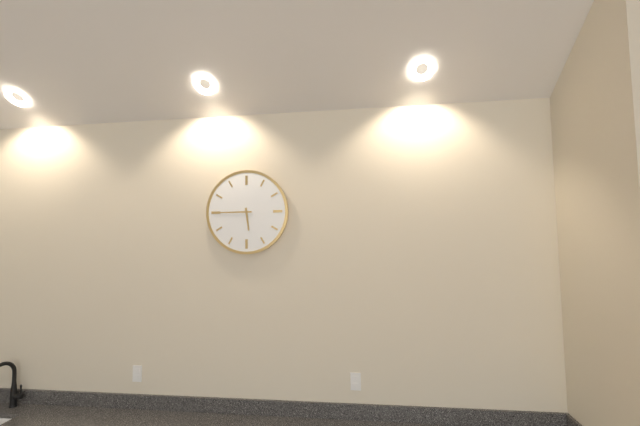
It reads 5,45
